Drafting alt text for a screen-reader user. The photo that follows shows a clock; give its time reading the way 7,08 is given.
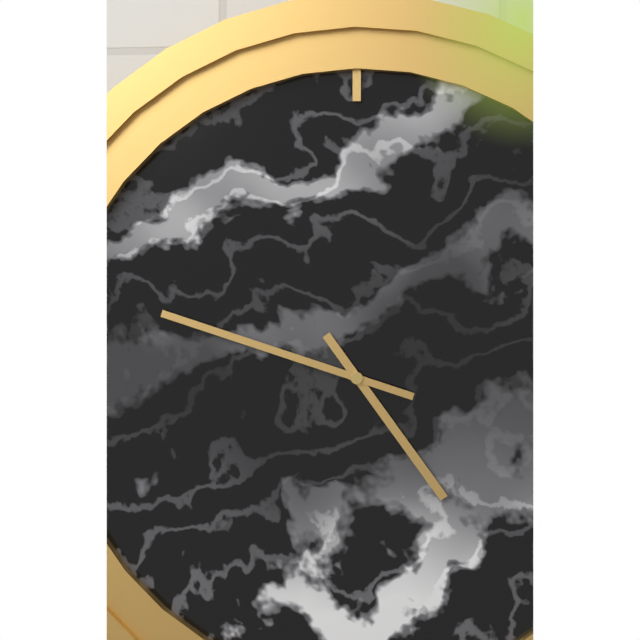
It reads 4,48
